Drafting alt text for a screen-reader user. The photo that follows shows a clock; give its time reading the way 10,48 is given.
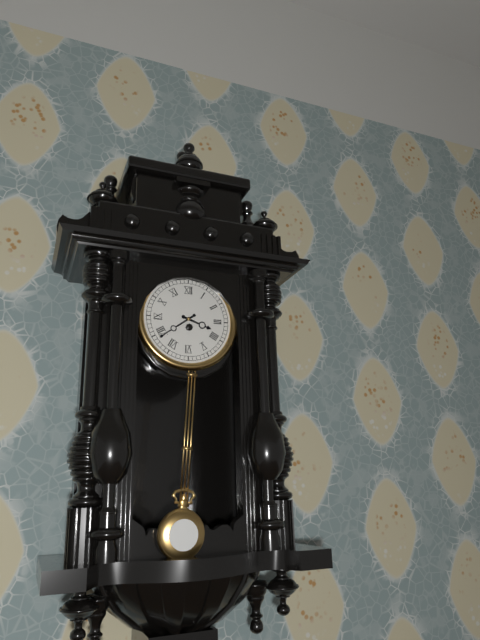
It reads 3,39
